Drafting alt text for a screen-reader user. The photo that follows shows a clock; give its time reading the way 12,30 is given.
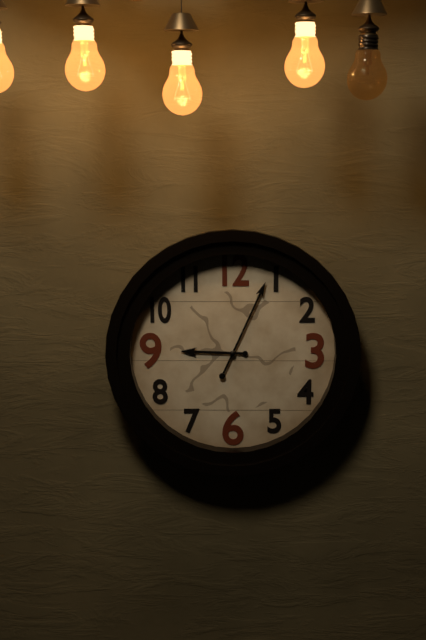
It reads 9,04
